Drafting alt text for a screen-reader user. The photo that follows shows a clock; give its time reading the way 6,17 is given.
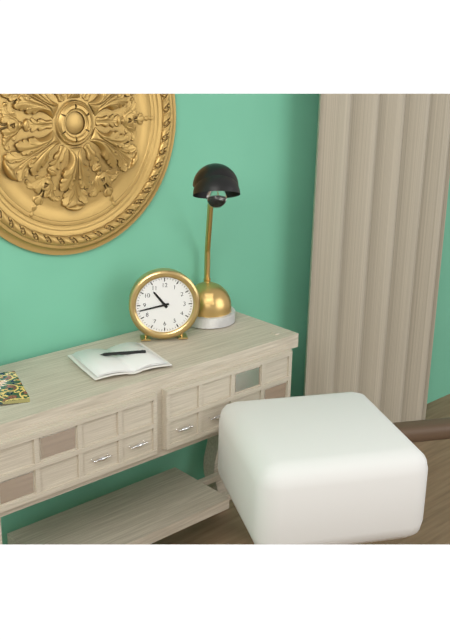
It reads 10,43
